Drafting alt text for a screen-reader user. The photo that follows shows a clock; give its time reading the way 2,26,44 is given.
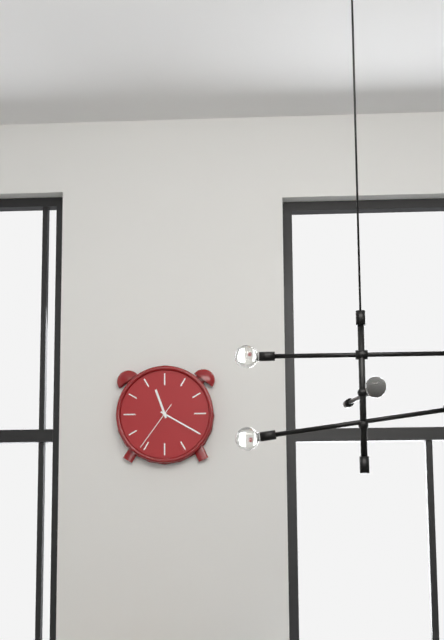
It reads 11,20,36
